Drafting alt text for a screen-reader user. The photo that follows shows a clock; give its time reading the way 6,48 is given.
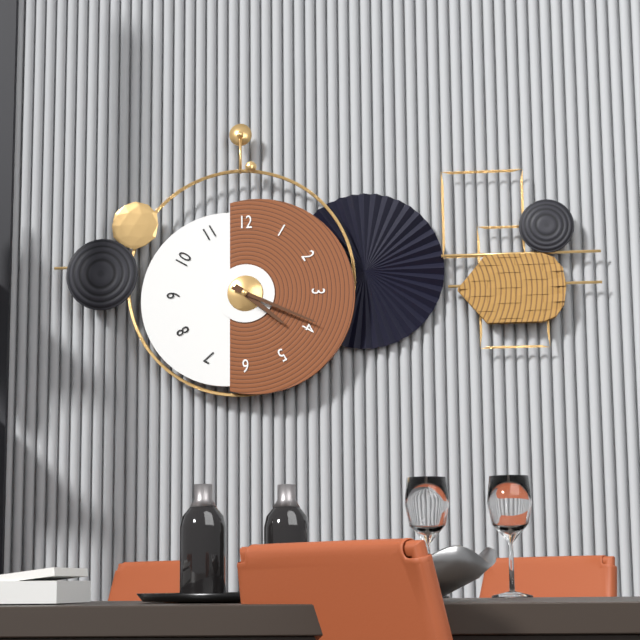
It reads 4,19
